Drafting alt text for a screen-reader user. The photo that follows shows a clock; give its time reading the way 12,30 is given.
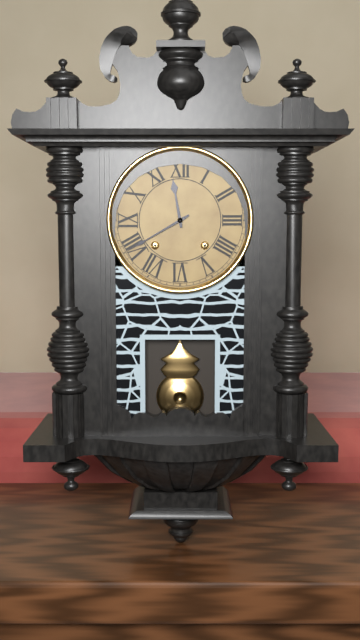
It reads 11,40
